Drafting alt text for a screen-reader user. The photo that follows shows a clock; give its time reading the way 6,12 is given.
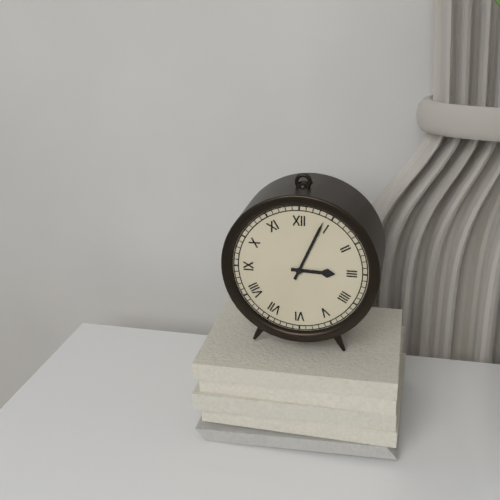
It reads 3,04
